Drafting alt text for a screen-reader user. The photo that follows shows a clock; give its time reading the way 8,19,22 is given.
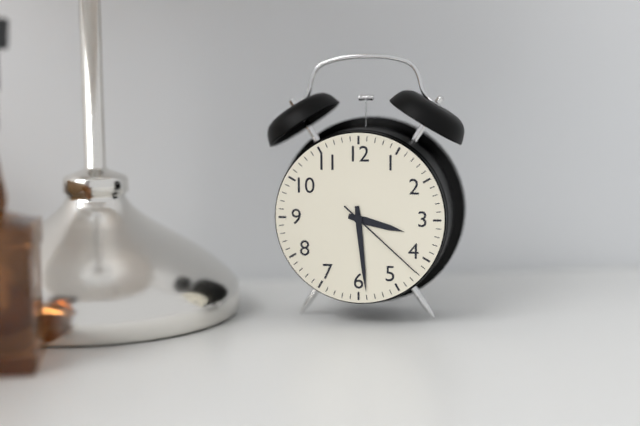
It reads 3,29,22
